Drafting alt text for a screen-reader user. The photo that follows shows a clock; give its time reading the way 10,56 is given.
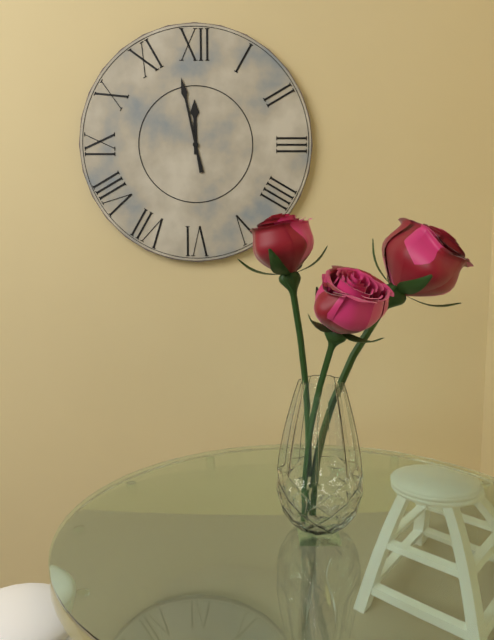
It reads 11,58
